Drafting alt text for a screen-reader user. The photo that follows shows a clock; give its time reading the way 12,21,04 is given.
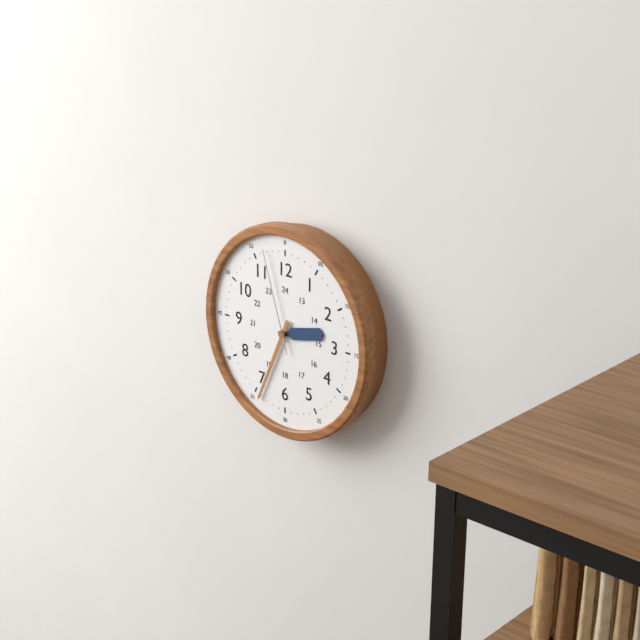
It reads 2,34,57
